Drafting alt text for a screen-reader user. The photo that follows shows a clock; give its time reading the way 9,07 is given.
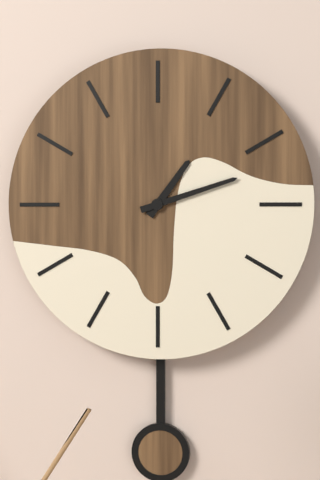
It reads 1,12
